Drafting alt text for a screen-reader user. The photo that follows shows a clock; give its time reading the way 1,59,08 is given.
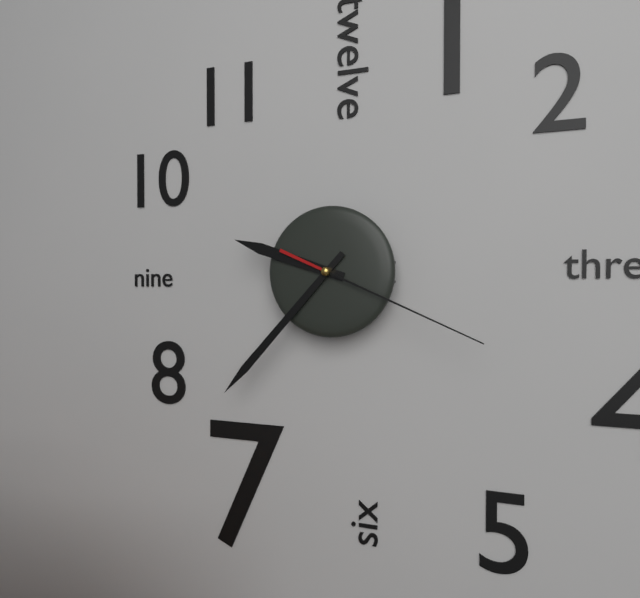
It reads 9,37,19
